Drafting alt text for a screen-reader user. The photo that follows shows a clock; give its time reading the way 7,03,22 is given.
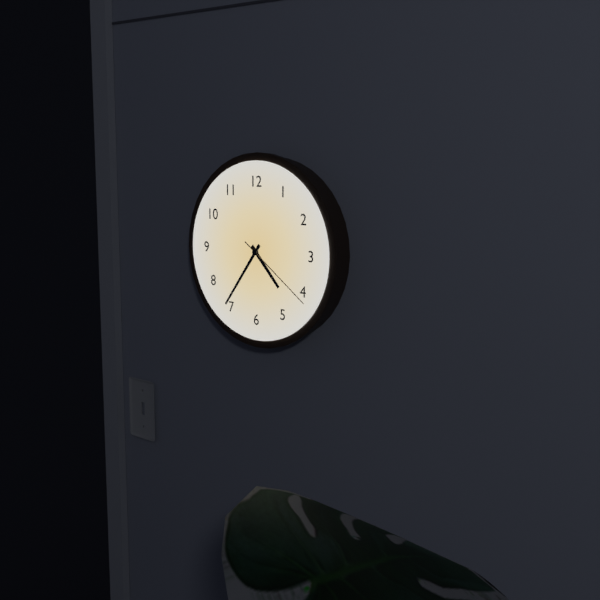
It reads 4,36,21
